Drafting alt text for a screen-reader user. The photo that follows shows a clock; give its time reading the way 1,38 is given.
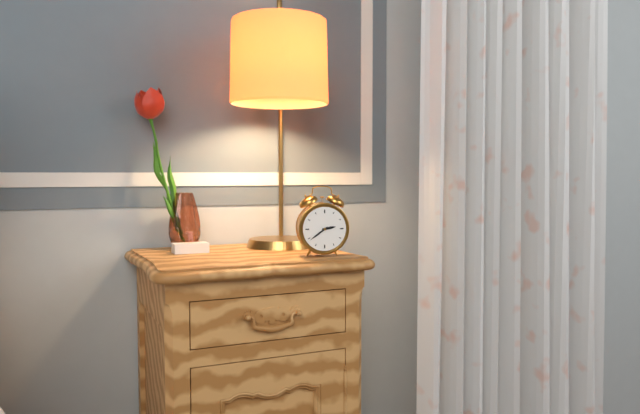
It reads 2,39
